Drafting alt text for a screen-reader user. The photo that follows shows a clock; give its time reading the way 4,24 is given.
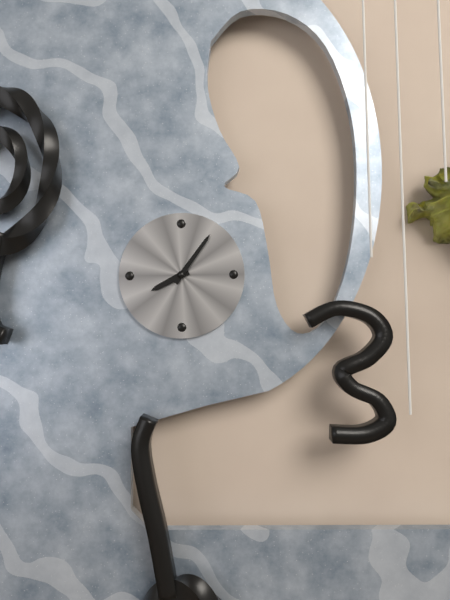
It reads 8,06
